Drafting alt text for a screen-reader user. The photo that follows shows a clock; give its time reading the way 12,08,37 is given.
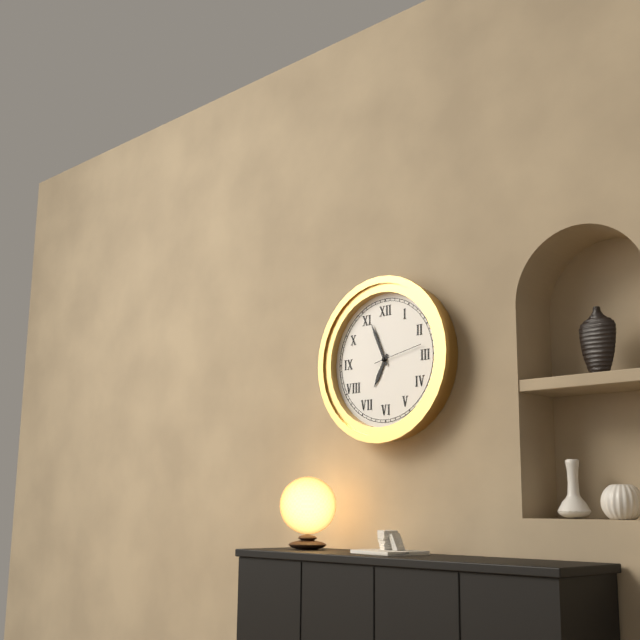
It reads 6,56,13
